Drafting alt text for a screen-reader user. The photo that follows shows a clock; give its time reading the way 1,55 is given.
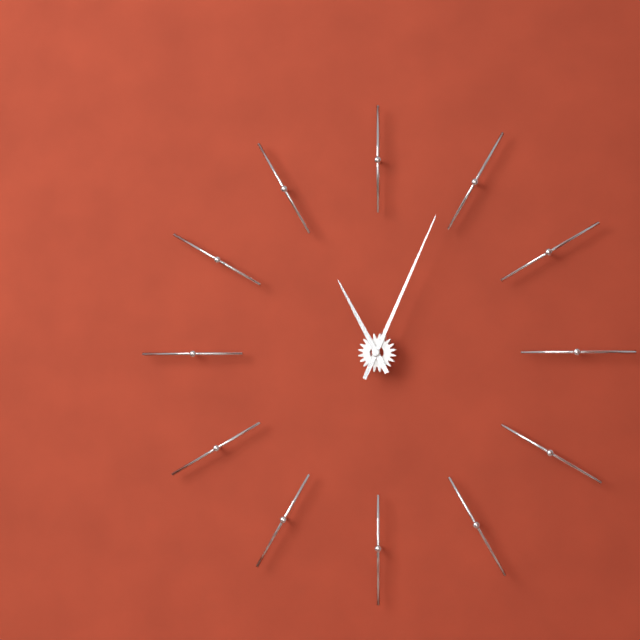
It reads 11,04
